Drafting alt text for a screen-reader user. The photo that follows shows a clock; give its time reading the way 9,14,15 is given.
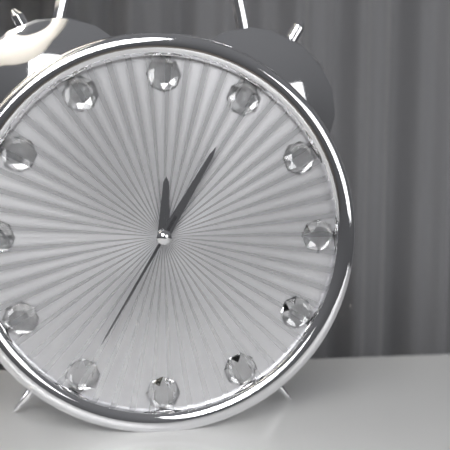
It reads 12,05,35
